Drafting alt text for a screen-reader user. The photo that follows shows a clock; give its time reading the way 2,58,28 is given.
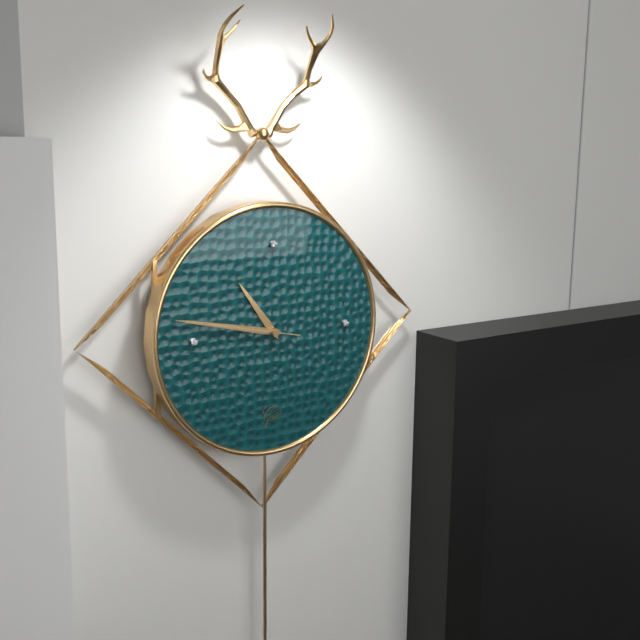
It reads 10,47,47
